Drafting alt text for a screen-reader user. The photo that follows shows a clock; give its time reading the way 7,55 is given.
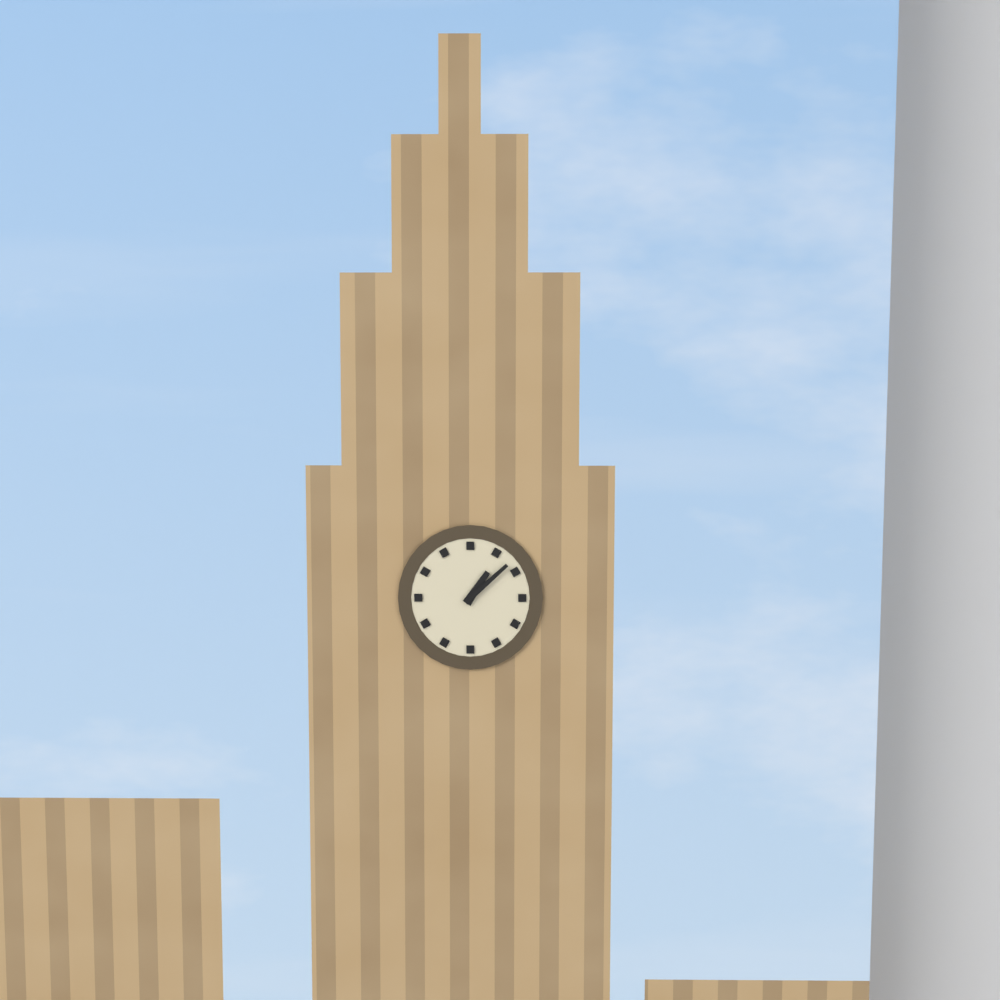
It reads 1,08
